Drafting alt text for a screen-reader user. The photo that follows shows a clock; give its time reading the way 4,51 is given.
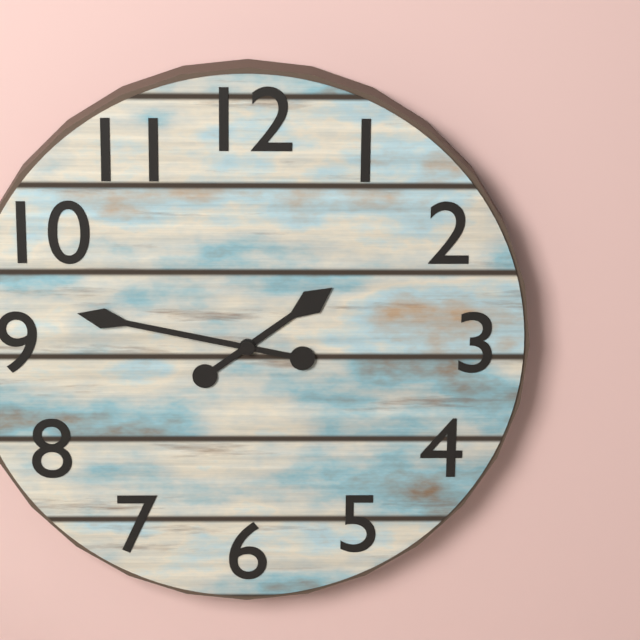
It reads 1,47
